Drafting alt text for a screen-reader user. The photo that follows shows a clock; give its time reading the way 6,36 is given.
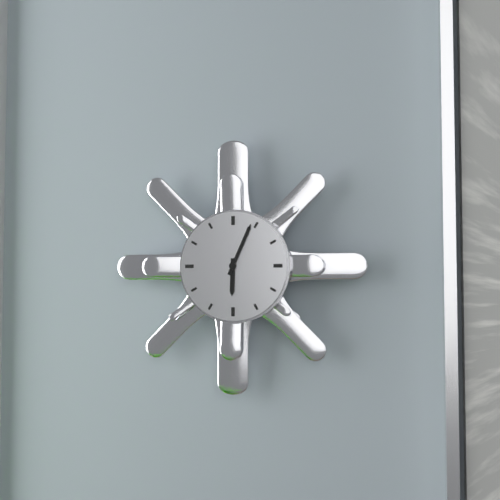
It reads 6,04
